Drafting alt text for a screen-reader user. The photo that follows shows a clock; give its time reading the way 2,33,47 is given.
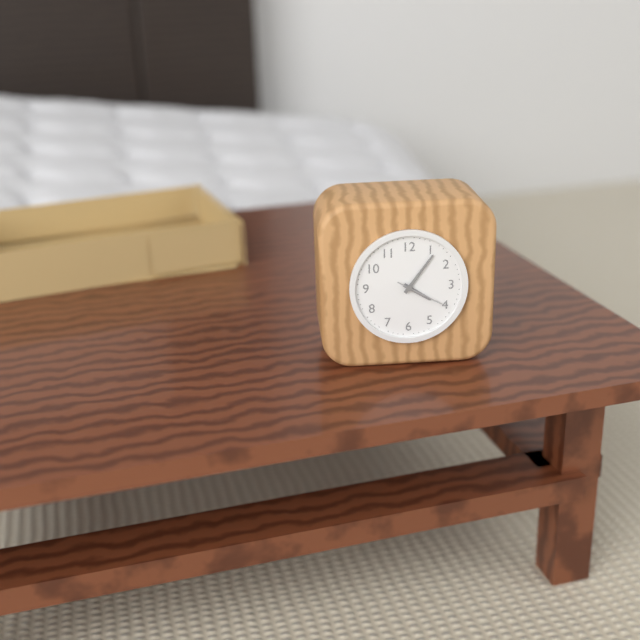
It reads 4,06,20
